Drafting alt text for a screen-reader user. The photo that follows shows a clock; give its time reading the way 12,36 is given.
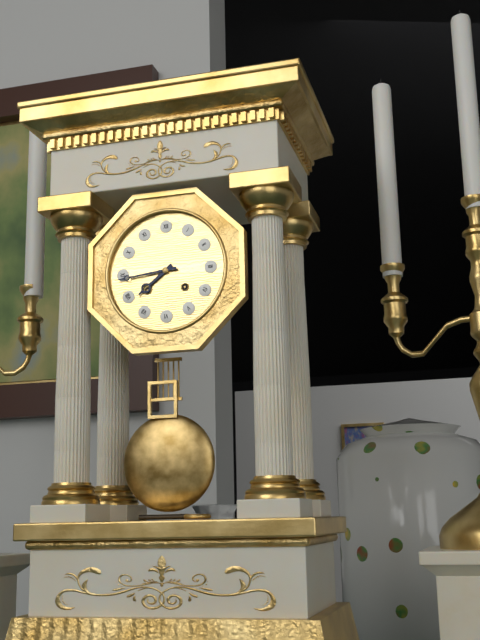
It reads 7,44
